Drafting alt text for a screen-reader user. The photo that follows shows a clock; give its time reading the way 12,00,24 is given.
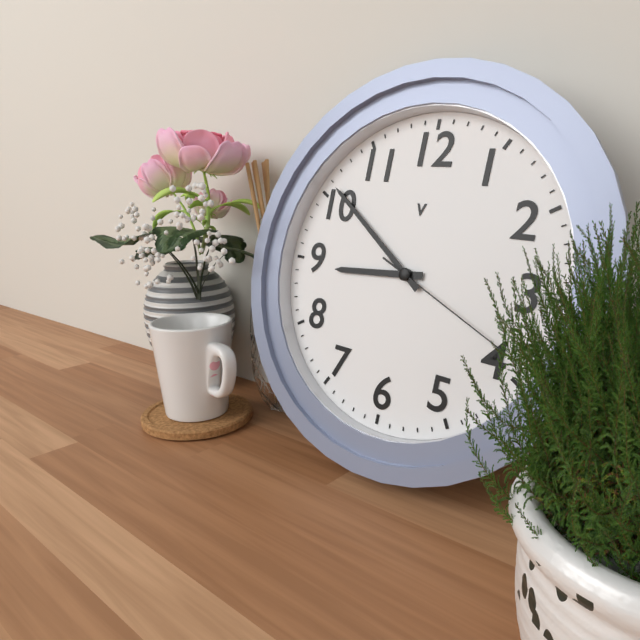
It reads 8,51,19
